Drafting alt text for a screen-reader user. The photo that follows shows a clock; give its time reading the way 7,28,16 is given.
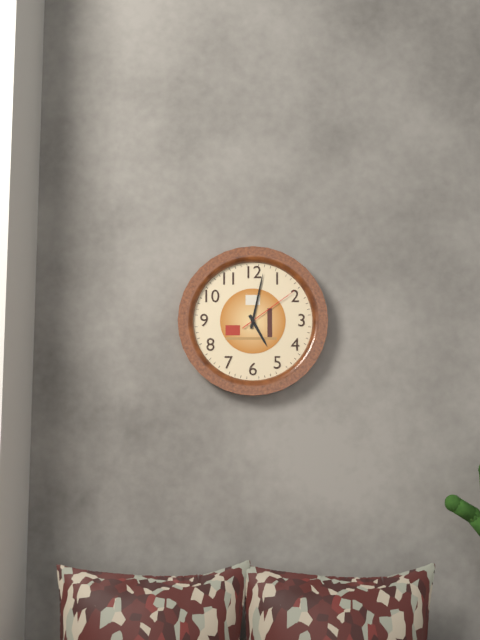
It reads 5,02,09
